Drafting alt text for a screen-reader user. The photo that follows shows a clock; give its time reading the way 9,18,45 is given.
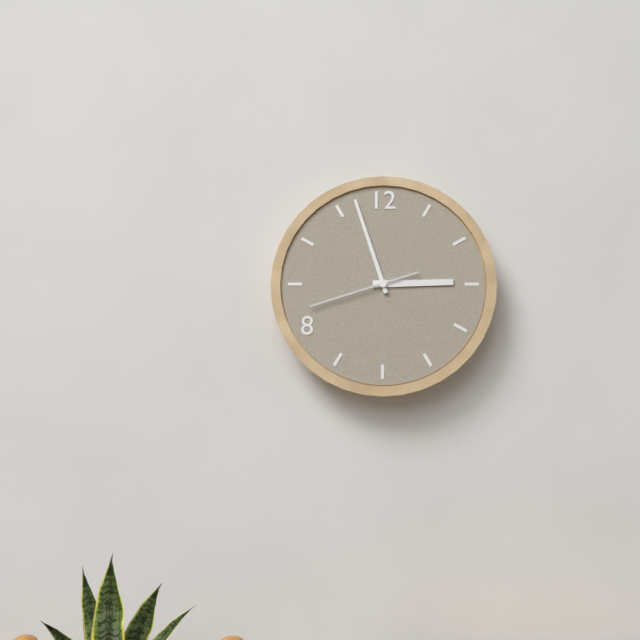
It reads 2,57,42
